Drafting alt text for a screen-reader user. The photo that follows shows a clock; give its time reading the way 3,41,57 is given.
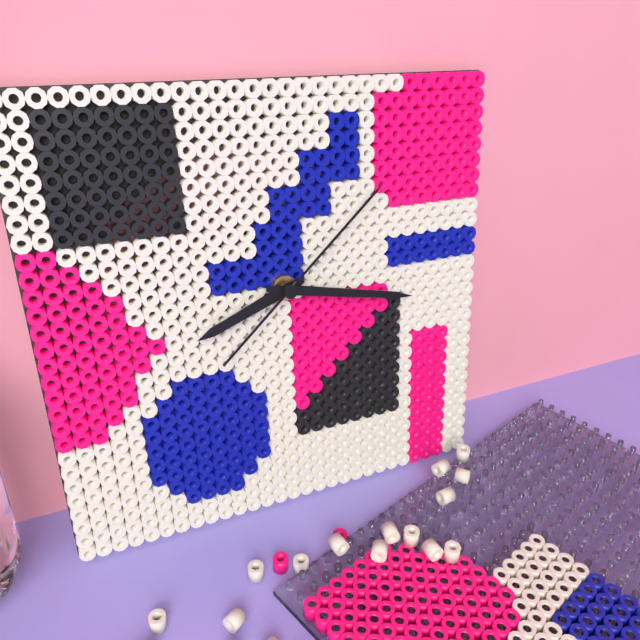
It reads 8,17,08
